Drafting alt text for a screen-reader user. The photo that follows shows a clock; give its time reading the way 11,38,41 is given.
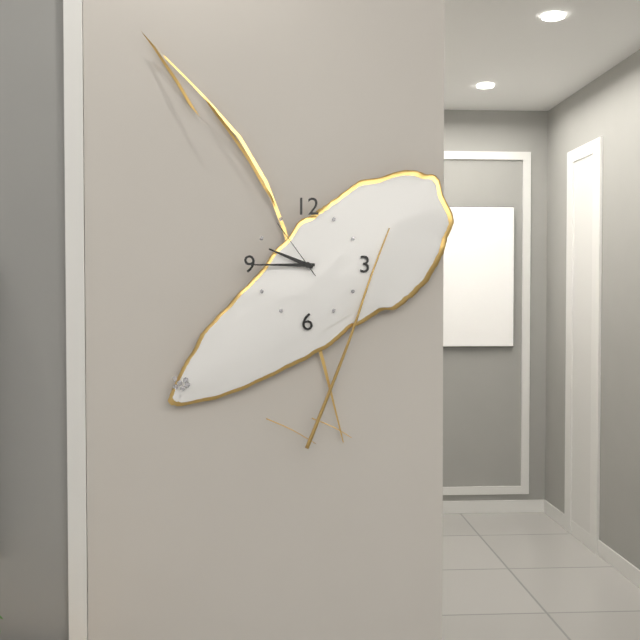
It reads 9,45,54
